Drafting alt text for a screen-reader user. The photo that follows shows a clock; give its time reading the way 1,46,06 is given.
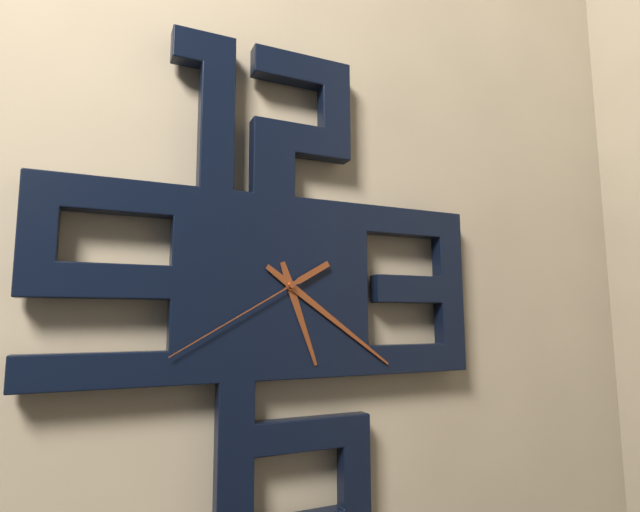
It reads 5,21,40
